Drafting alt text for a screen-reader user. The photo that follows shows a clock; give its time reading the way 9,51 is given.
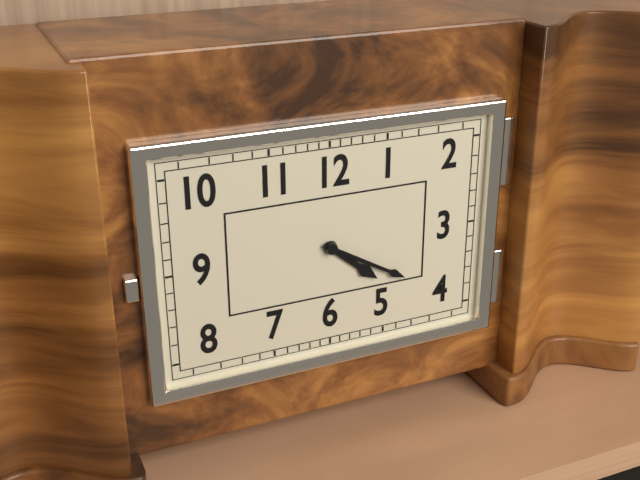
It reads 4,20
